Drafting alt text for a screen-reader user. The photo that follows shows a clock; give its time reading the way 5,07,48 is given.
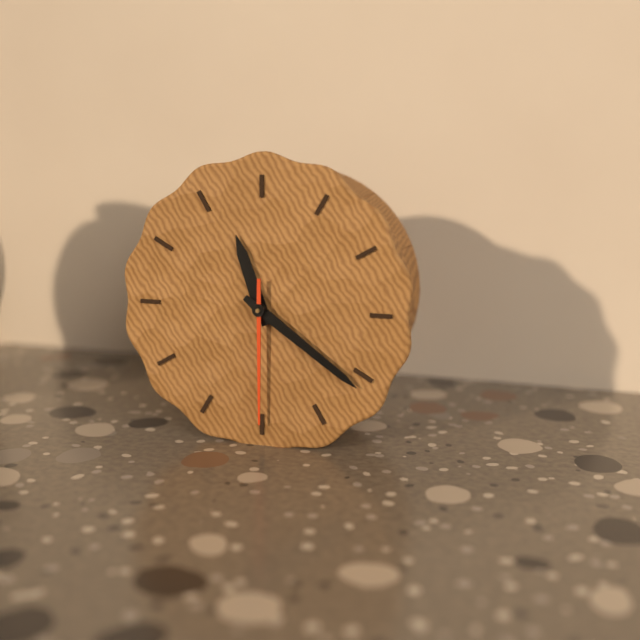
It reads 11,21,30
